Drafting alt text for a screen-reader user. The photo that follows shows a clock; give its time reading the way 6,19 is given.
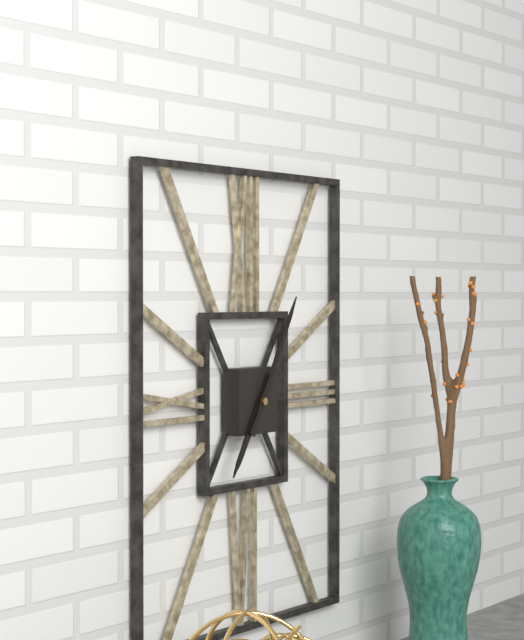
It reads 7,05
